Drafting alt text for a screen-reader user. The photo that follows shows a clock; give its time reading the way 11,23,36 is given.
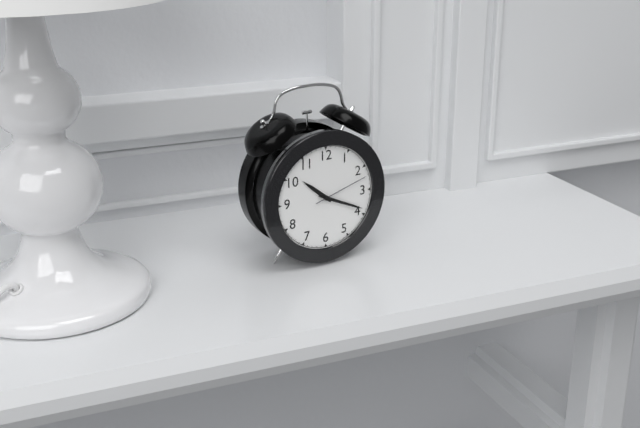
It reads 10,19,12
